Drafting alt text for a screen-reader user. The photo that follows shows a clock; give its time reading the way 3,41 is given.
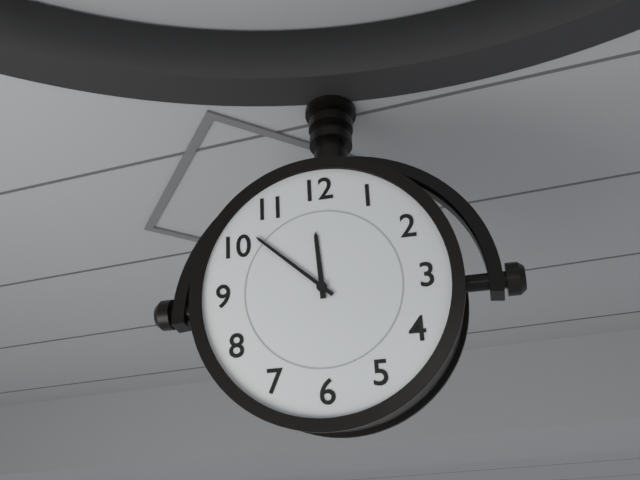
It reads 11,52
